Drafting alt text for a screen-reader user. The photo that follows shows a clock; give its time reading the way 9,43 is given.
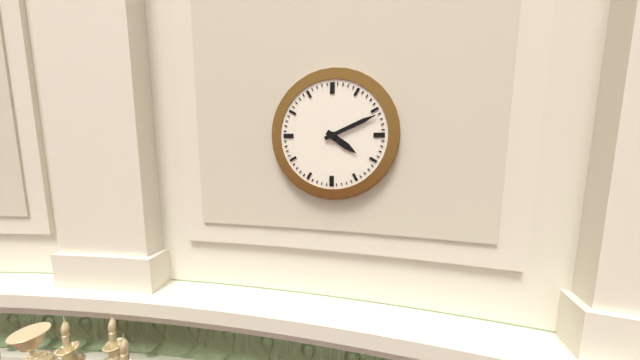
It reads 4,11
